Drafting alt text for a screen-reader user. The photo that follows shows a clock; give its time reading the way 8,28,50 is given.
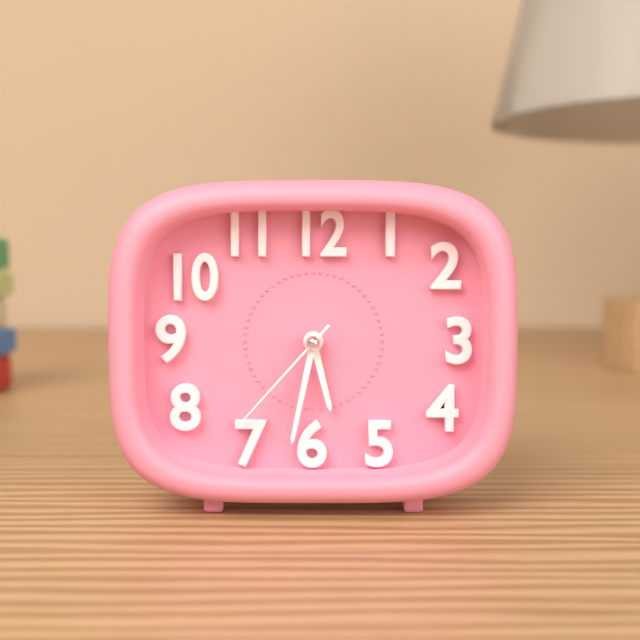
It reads 5,32,37
